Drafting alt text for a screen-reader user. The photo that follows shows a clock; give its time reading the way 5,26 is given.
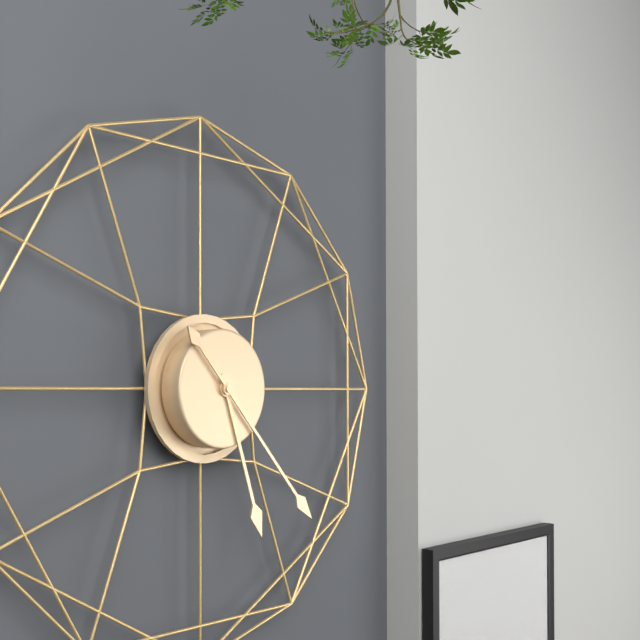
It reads 5,23
